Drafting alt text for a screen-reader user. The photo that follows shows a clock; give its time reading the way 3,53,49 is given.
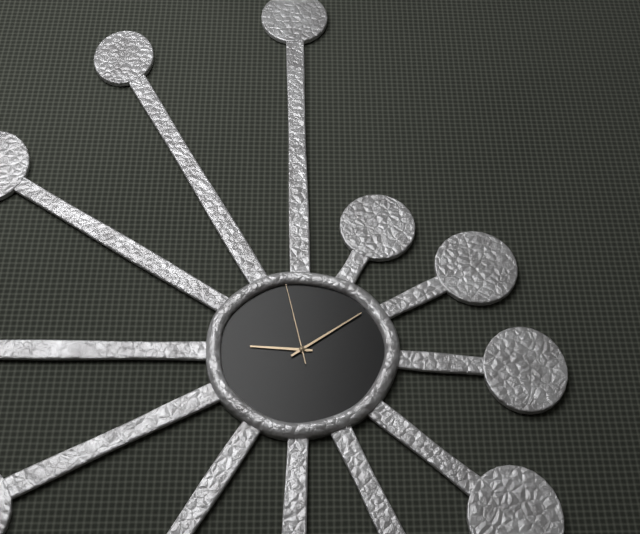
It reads 9,09,58
